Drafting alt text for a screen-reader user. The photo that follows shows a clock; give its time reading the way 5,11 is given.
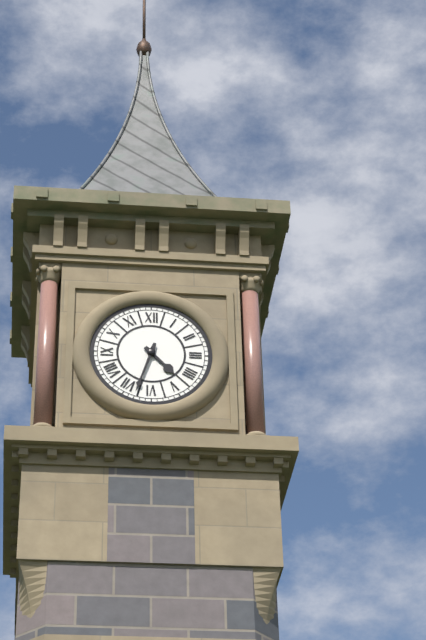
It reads 4,33
